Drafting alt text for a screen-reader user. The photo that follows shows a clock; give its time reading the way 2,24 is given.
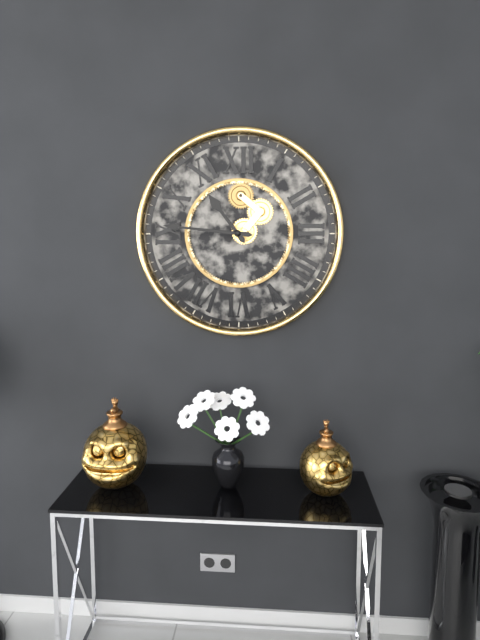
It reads 10,46
